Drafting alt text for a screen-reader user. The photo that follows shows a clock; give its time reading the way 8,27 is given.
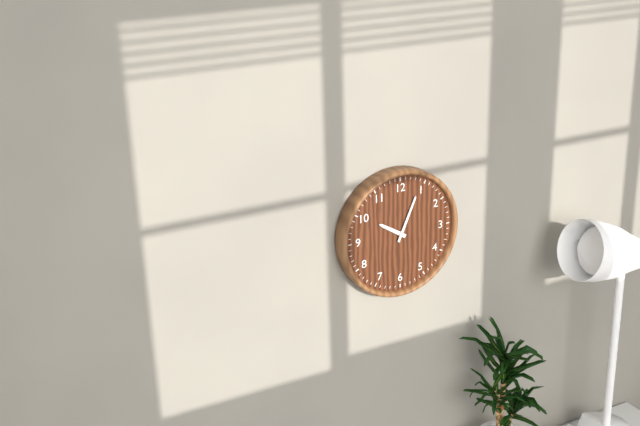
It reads 10,04
